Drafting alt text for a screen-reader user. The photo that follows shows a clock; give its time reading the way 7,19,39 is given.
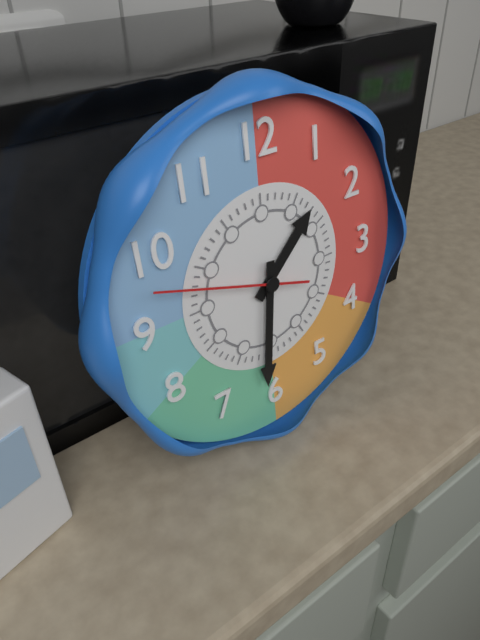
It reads 1,31,48
